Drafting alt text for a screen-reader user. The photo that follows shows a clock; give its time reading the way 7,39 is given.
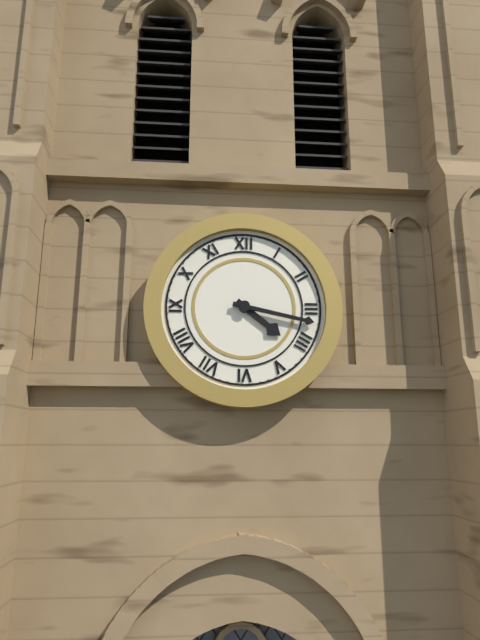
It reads 4,17
